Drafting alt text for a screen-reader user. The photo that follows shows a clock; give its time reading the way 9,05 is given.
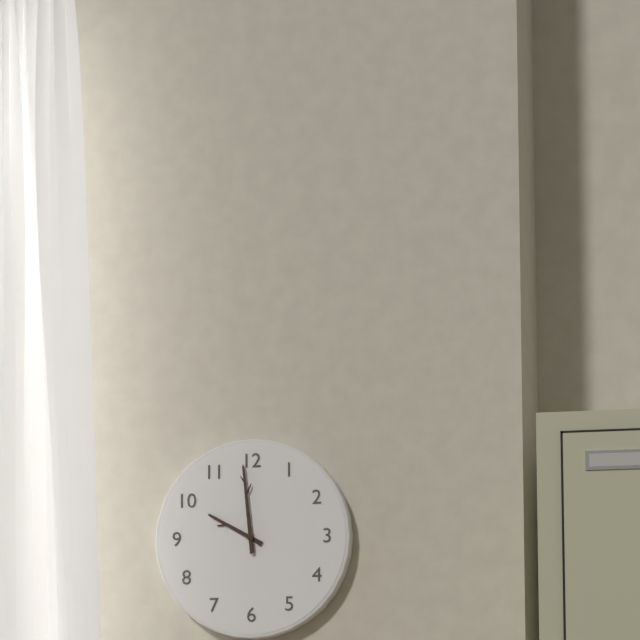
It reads 9,59
